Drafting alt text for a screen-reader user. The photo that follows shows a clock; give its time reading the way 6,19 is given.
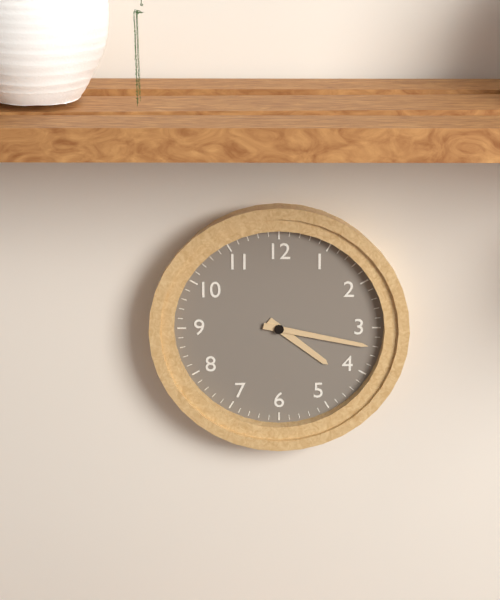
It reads 4,17
